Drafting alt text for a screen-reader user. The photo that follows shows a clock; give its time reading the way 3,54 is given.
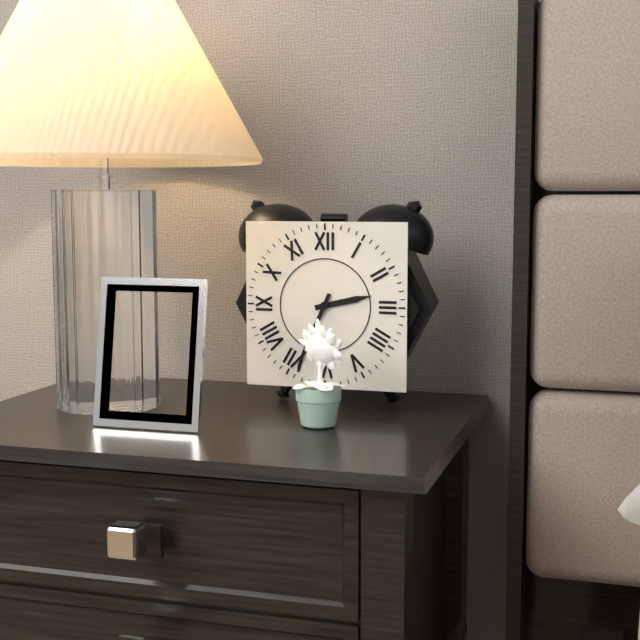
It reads 2,34
